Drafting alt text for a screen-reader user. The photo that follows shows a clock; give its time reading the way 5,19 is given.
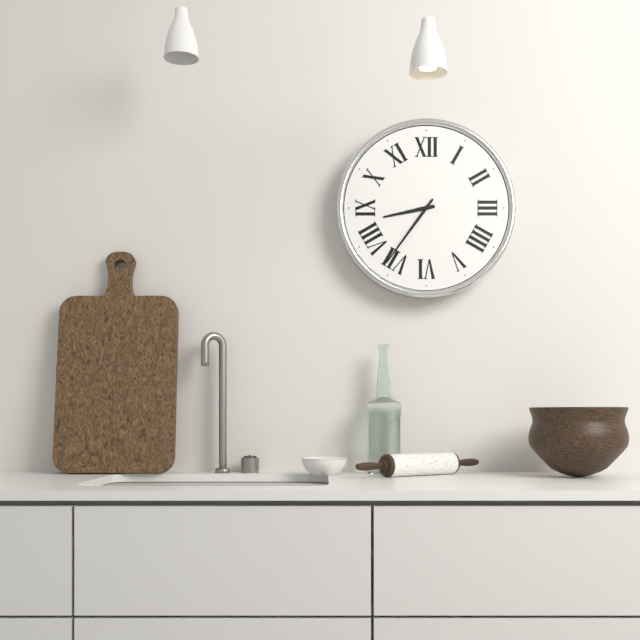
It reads 8,36
